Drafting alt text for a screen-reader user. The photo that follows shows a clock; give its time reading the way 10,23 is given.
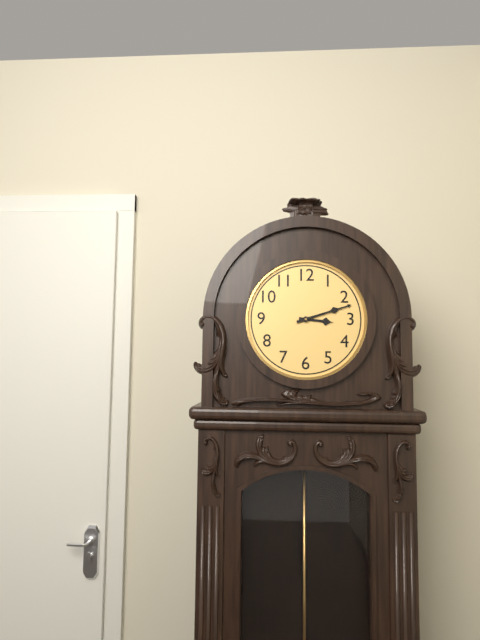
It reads 3,12
